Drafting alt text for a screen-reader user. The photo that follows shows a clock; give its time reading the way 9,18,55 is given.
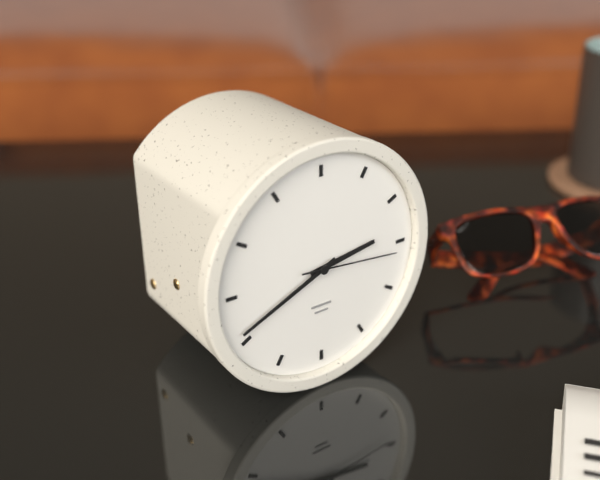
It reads 2,41,16
